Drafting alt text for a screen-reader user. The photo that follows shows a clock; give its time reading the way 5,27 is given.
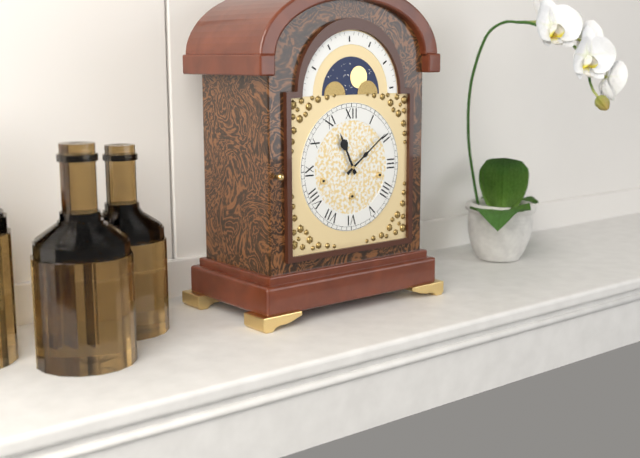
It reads 11,09
